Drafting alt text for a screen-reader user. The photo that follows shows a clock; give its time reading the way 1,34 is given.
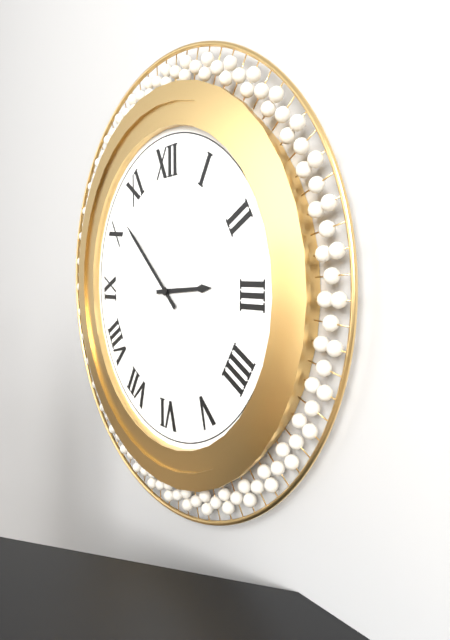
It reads 2,52
